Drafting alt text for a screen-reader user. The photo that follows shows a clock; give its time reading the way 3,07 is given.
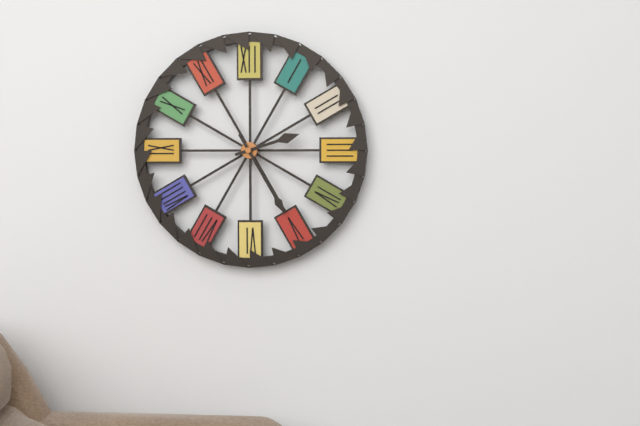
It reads 2,25
